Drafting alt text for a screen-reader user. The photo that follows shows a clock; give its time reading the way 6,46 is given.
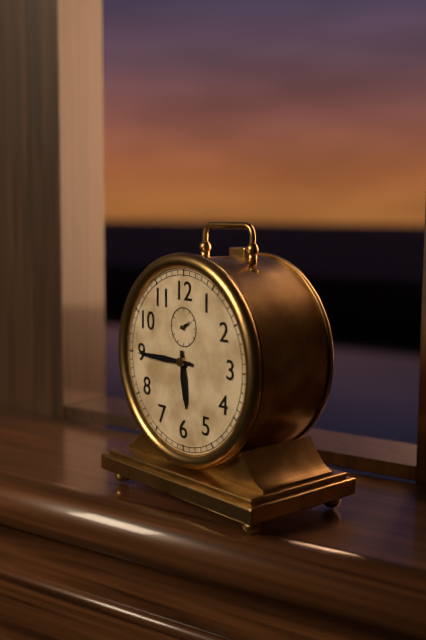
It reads 5,45
